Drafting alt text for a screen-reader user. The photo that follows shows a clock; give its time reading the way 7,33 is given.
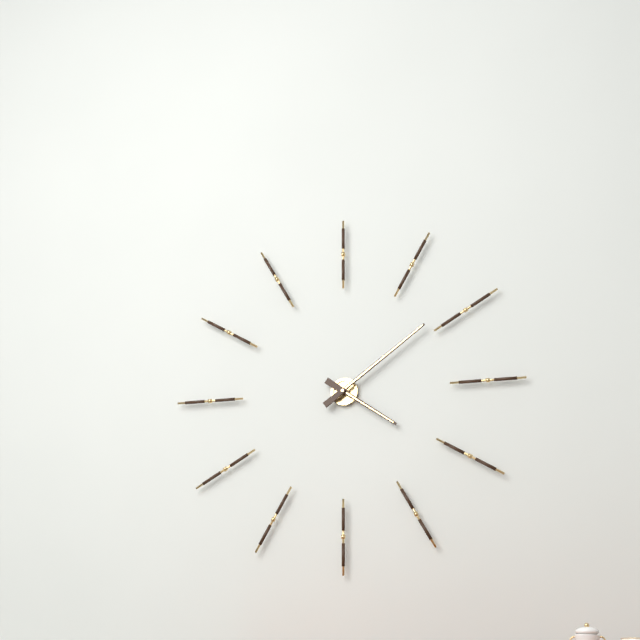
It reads 4,09
